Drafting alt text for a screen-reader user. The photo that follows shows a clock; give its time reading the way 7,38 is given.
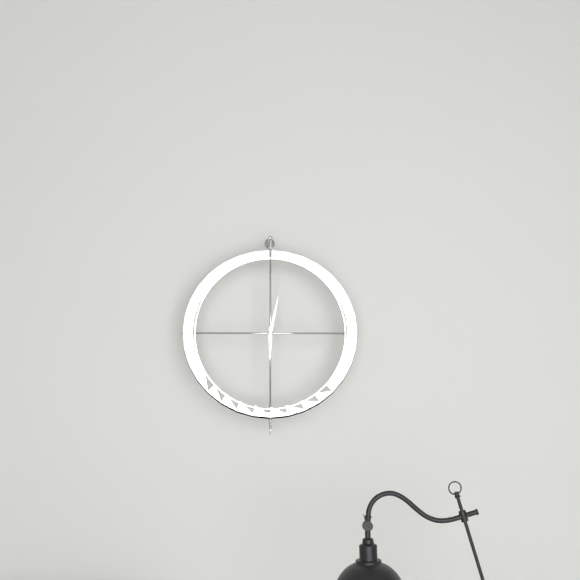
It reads 6,02
